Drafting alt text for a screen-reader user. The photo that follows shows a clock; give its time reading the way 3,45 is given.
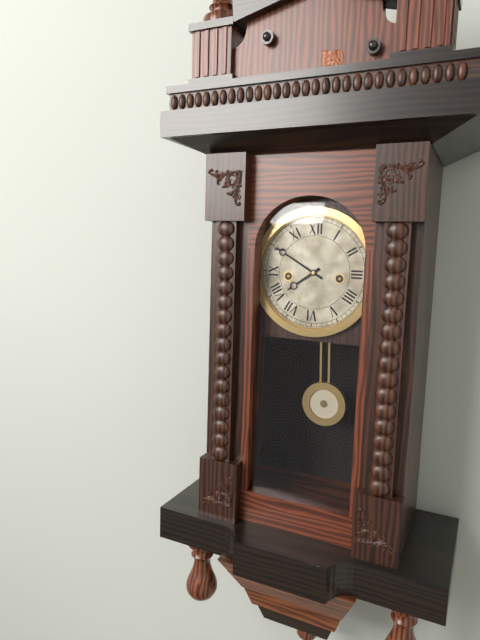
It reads 7,50
